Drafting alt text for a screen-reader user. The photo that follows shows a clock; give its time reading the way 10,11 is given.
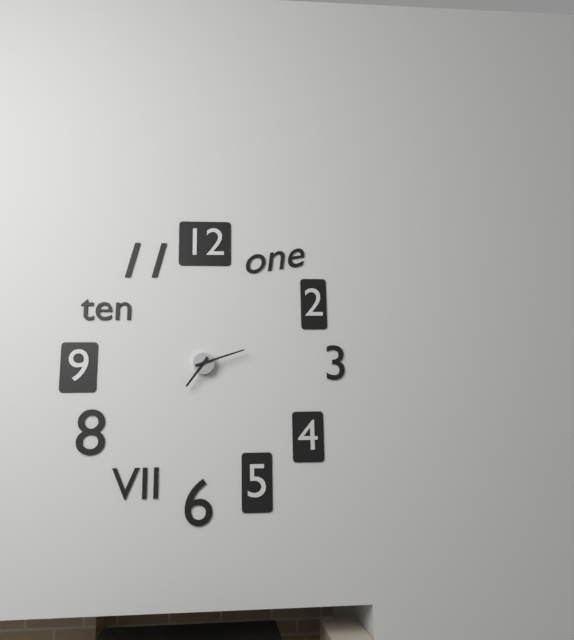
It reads 7,12
